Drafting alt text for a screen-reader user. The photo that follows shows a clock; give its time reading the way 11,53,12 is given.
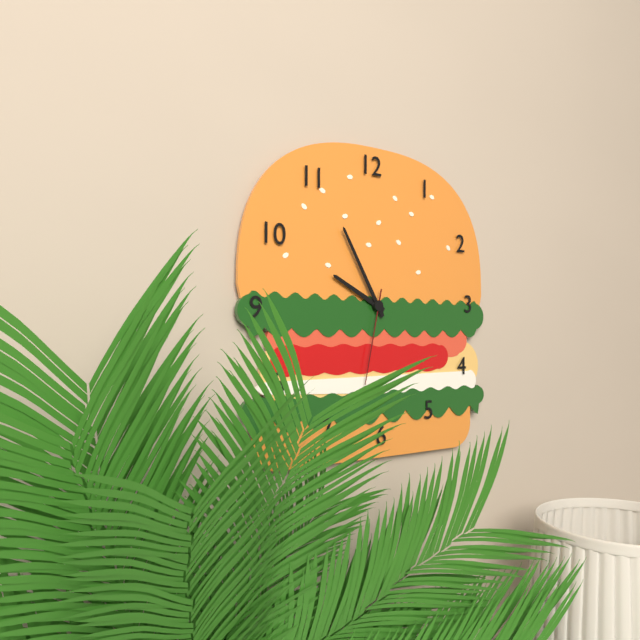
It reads 9,55,32
